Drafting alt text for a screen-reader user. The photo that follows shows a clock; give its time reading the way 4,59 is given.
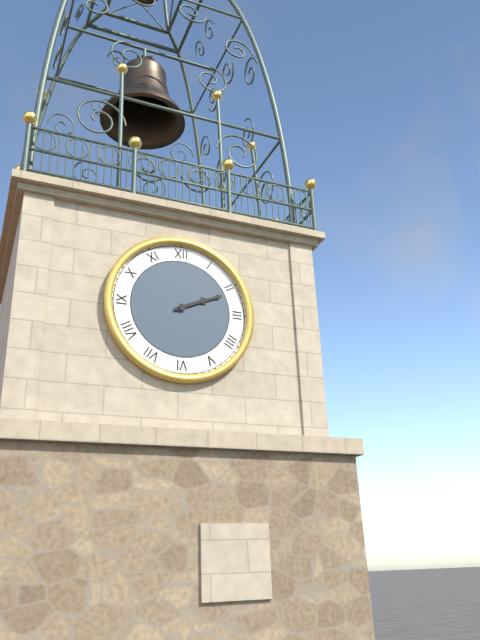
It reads 2,11
